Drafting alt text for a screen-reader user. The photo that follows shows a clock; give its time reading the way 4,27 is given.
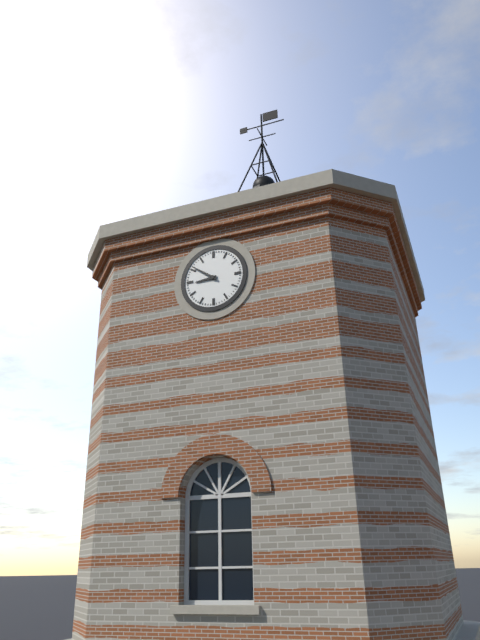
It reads 8,51
